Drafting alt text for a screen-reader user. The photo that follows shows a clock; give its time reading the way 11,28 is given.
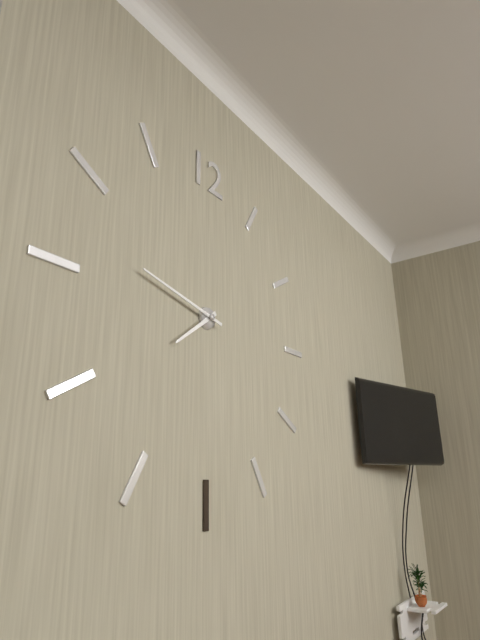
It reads 7,47
